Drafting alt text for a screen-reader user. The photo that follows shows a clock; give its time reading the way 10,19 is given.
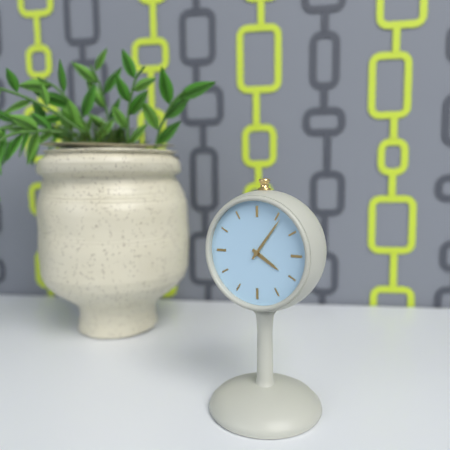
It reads 4,06
